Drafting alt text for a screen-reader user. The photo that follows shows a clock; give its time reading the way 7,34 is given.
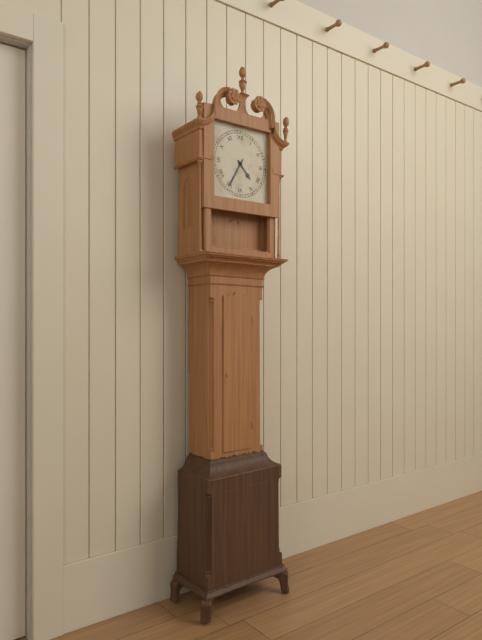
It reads 4,35
